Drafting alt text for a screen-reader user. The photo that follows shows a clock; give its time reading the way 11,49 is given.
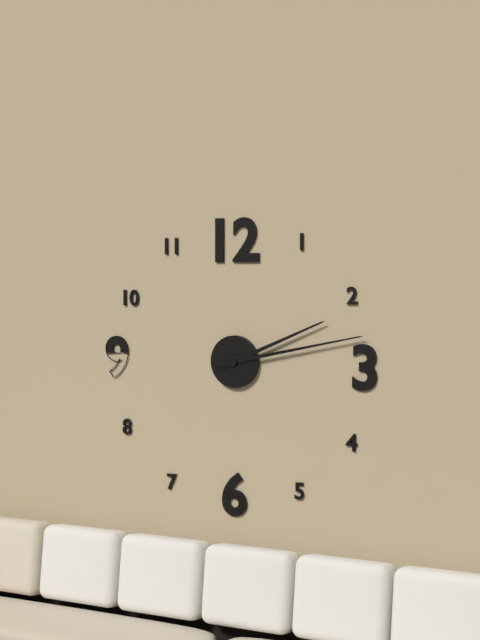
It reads 2,13
